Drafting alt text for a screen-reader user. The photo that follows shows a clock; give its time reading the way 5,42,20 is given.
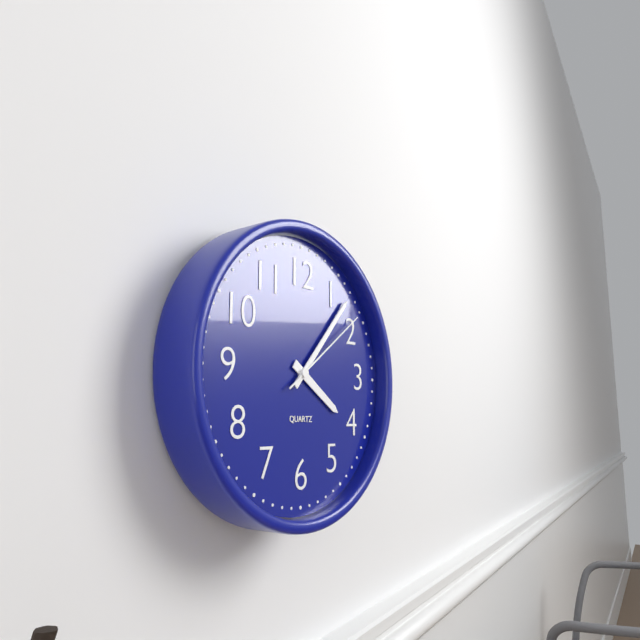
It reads 4,07,09
